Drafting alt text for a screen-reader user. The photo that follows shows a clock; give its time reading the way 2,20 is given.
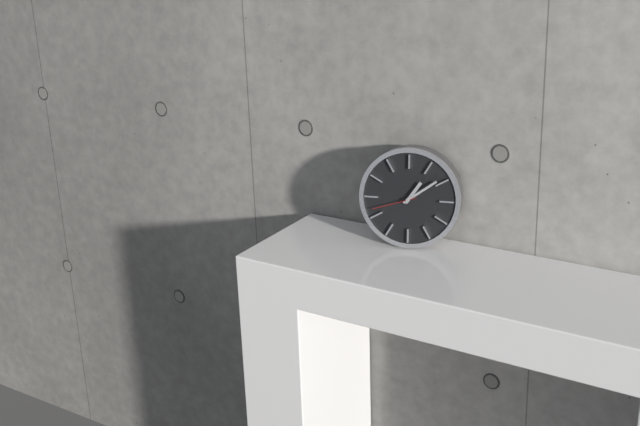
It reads 1,09
